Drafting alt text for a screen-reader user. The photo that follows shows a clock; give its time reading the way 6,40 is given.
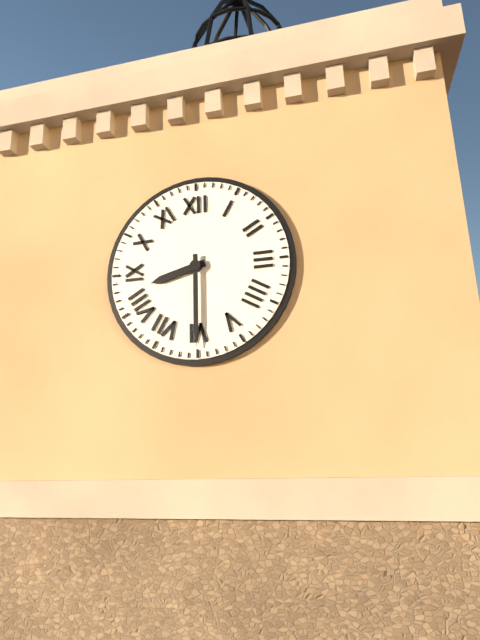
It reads 8,30
